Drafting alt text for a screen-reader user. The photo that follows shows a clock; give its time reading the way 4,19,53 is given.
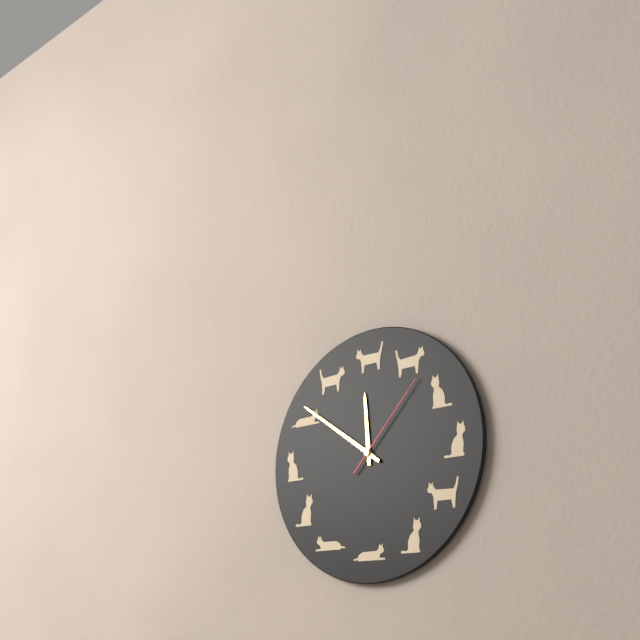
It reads 11,51,07
